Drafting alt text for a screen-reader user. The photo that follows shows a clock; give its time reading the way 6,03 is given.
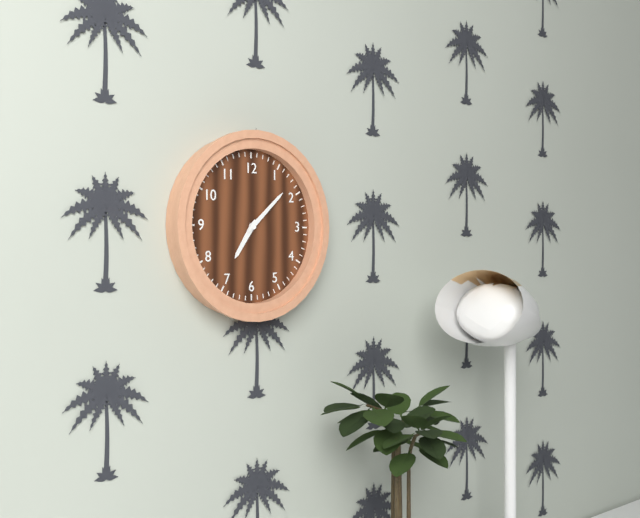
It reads 7,08
